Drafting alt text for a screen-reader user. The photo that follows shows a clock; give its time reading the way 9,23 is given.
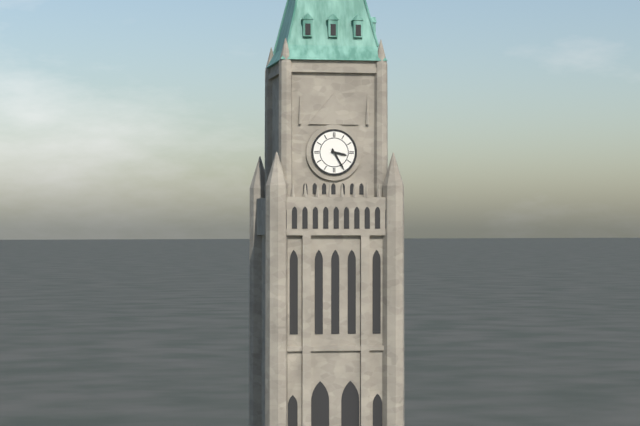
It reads 3,25
